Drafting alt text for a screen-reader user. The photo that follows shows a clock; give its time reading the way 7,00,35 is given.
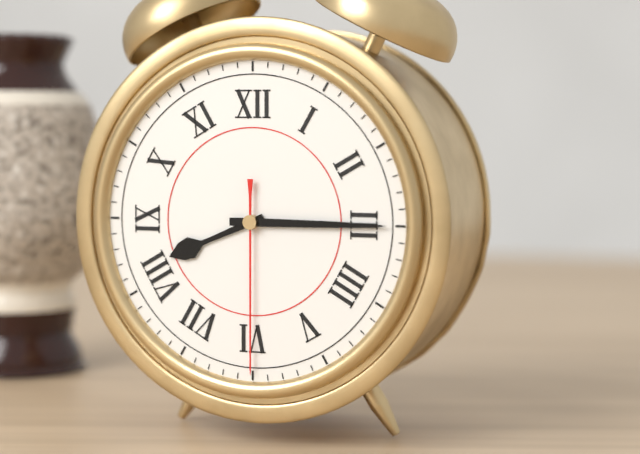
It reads 8,15,30
